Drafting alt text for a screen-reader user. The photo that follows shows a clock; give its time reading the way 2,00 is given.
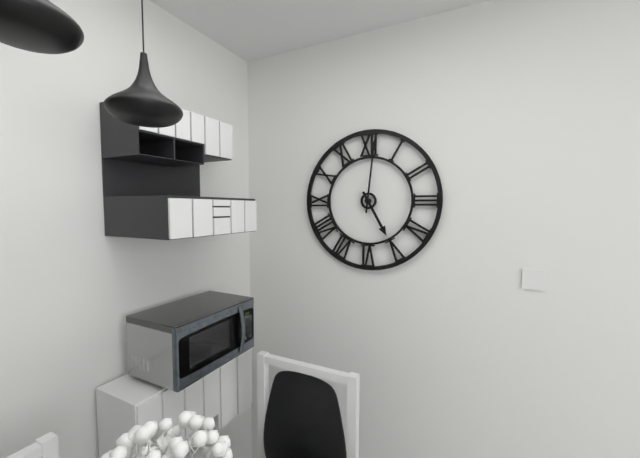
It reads 5,01
